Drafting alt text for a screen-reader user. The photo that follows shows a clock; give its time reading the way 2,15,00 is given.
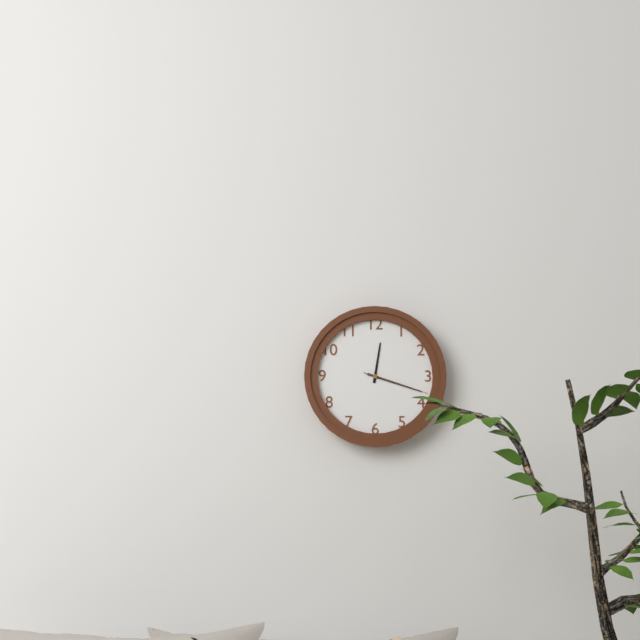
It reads 12,18,18
